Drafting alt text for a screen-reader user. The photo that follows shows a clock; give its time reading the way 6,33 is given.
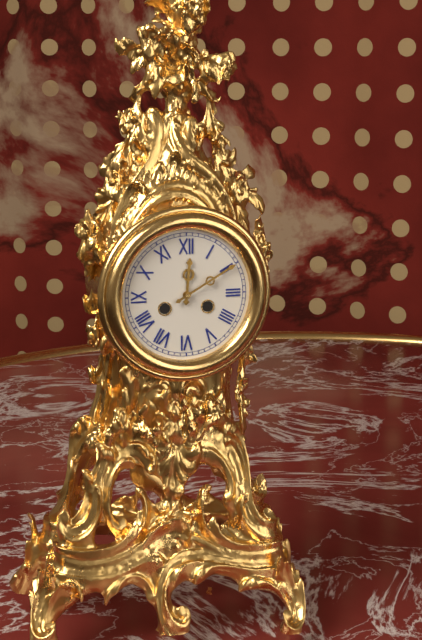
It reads 12,10
